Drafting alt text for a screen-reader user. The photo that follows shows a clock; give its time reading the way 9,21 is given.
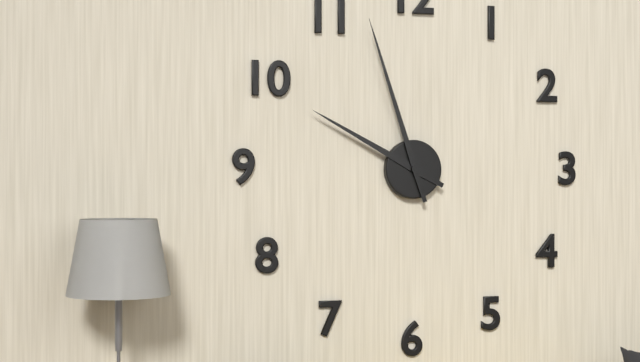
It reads 9,57
